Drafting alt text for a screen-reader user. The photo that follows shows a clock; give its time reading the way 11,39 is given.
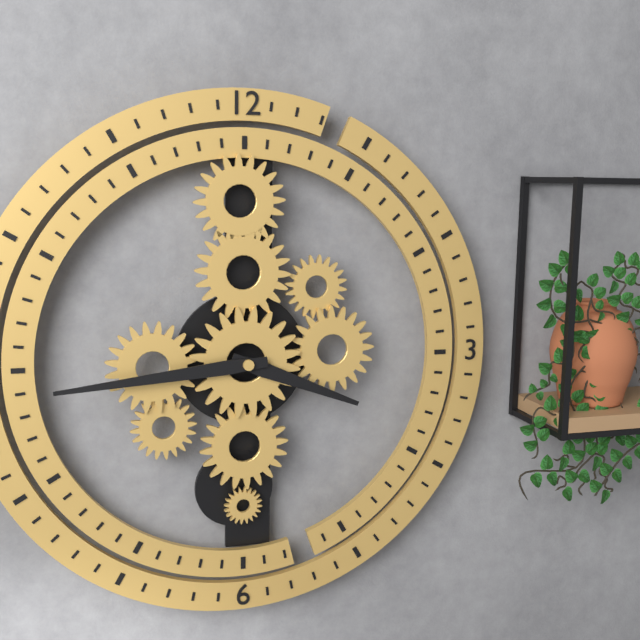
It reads 3,44
